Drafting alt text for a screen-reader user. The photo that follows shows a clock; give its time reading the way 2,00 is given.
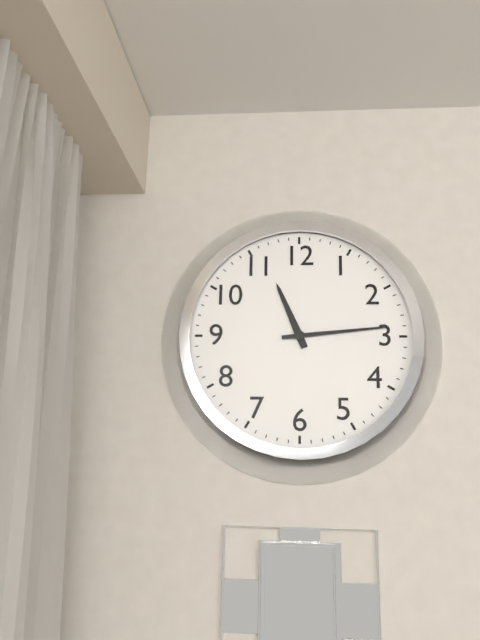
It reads 11,14
